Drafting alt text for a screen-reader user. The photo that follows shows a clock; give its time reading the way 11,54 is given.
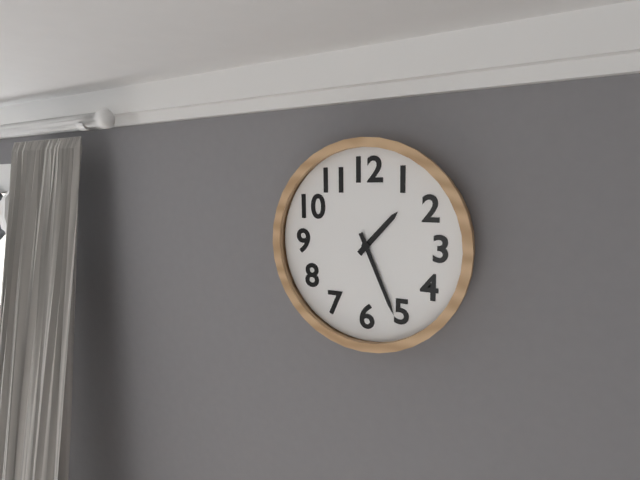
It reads 1,26
